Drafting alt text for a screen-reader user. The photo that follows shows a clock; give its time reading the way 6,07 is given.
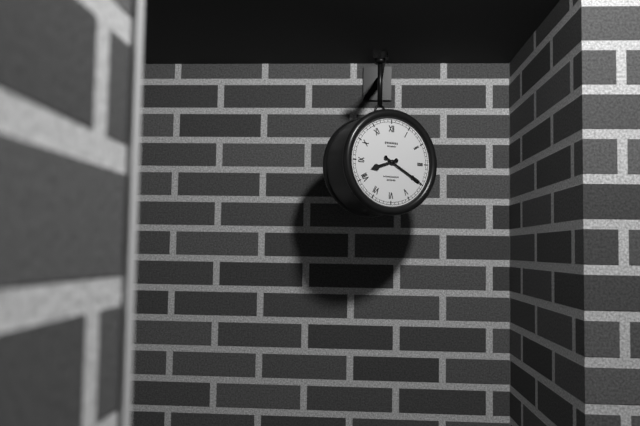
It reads 8,20
